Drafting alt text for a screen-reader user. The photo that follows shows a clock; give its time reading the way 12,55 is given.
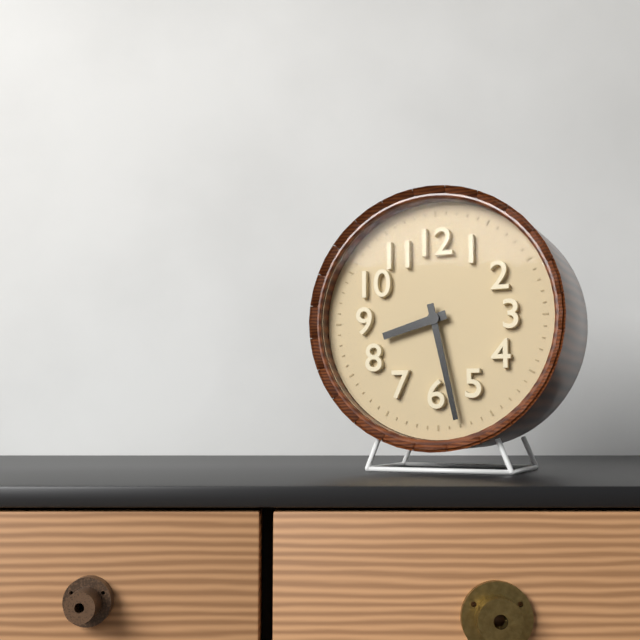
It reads 8,28
